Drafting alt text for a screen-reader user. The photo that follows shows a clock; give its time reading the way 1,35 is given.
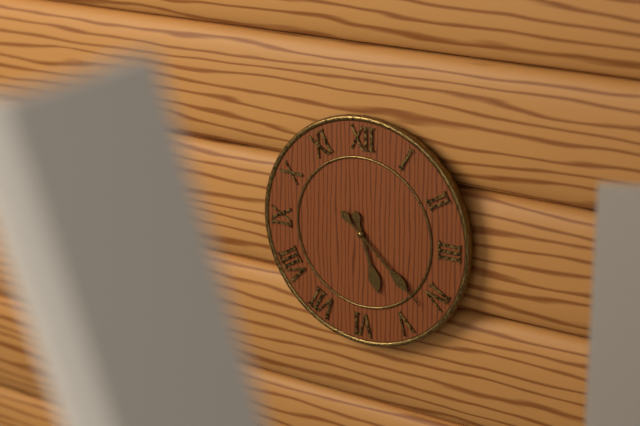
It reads 5,22
